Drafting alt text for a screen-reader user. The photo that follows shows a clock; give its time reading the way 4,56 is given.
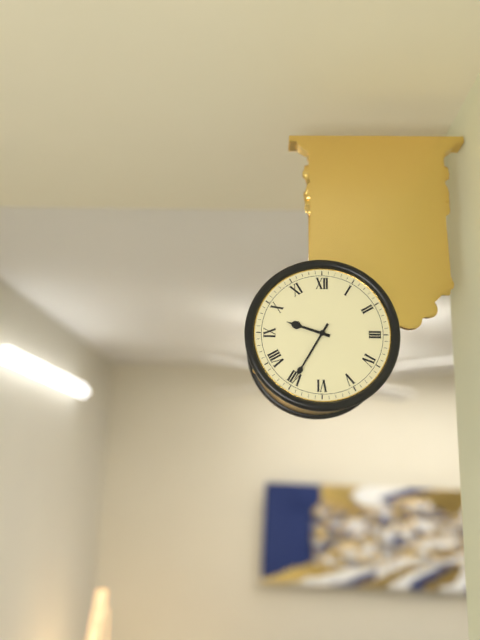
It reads 9,35
